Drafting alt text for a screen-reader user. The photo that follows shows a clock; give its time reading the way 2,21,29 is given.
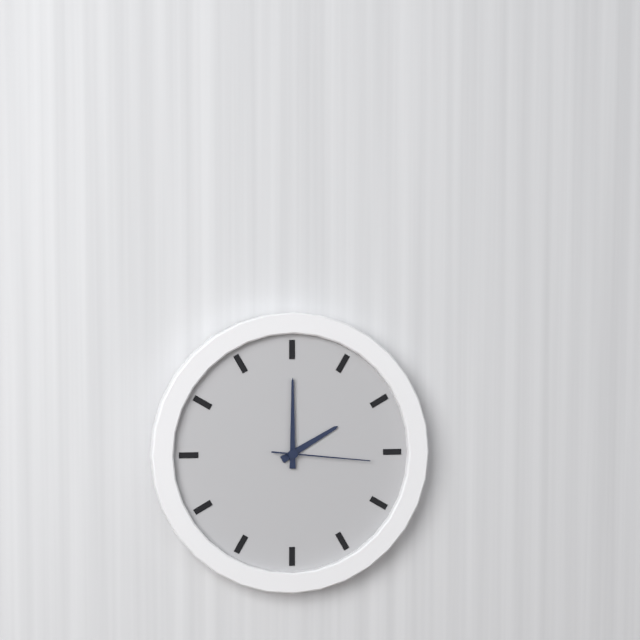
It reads 2,00,16
